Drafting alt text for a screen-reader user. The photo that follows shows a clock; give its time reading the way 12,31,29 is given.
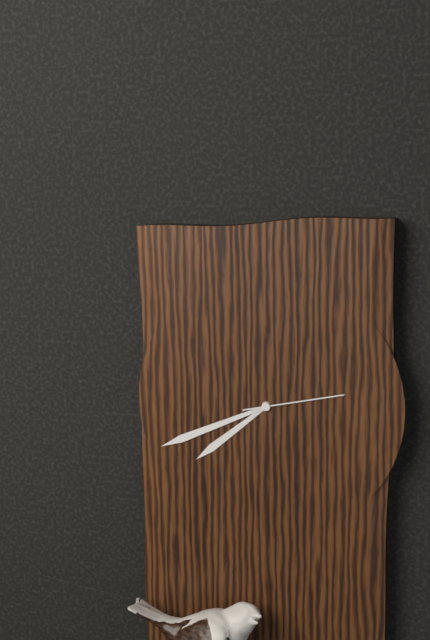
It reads 7,41,13
